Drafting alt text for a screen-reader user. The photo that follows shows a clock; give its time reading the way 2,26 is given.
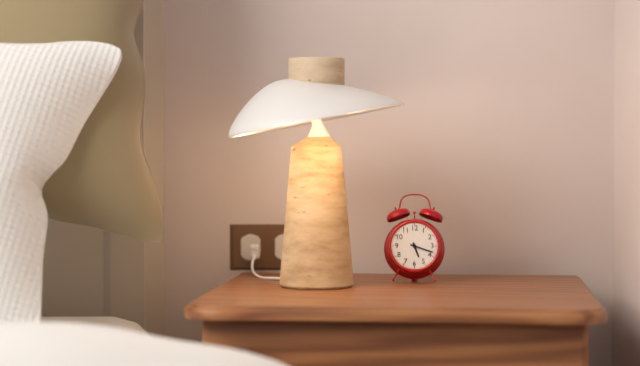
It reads 5,18
